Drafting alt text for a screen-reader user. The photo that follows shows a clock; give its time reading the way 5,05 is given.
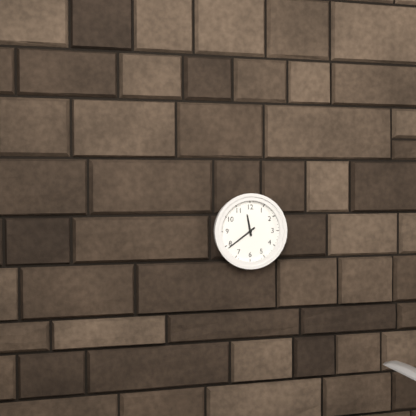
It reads 11,39
